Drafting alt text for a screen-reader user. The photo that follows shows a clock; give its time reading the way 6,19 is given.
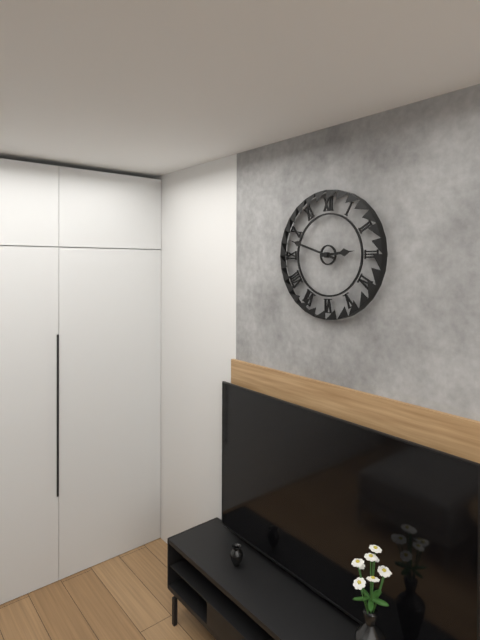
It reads 2,48
